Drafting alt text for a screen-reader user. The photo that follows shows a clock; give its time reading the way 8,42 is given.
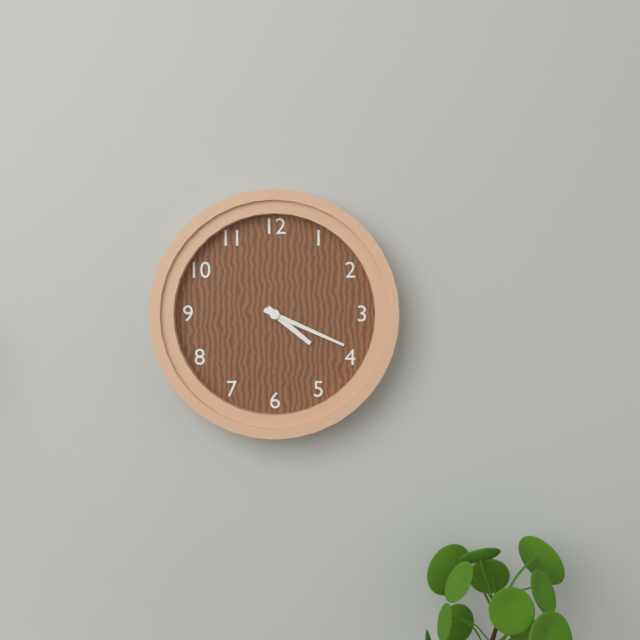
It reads 4,19
